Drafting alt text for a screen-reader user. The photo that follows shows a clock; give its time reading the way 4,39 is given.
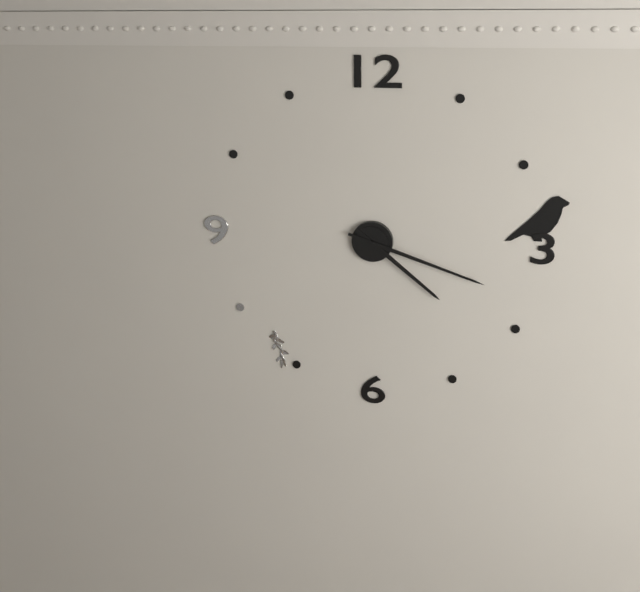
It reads 4,18
